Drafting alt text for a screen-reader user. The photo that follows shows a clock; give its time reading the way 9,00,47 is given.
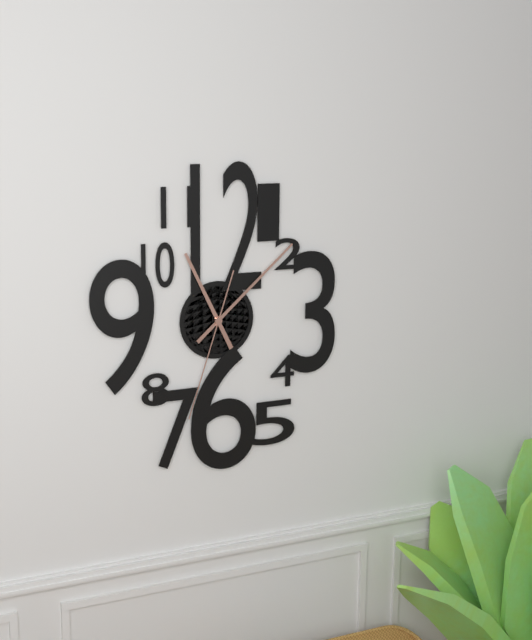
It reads 11,08,33
